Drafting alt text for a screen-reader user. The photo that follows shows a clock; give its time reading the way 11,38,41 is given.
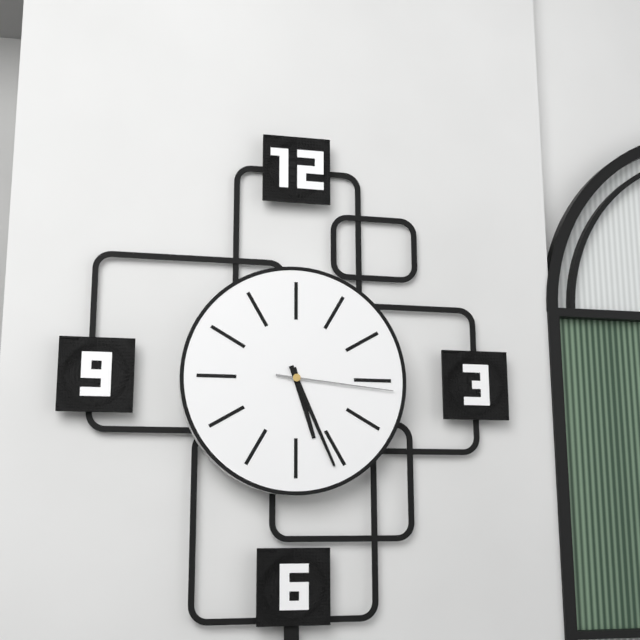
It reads 5,26,16
